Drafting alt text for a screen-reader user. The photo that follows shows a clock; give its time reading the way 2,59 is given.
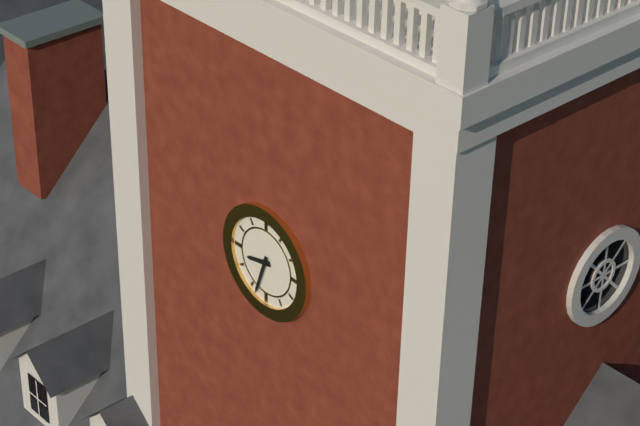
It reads 8,33
